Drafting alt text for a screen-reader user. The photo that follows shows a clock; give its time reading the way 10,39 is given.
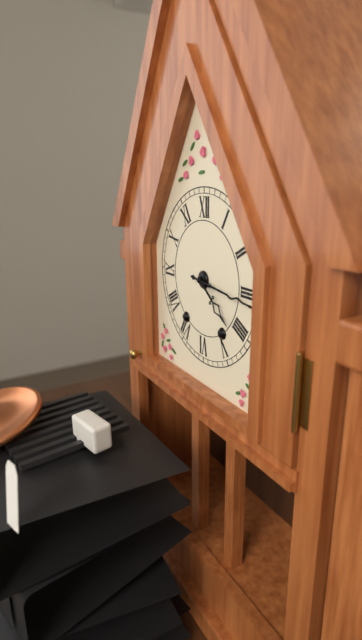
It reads 4,16
